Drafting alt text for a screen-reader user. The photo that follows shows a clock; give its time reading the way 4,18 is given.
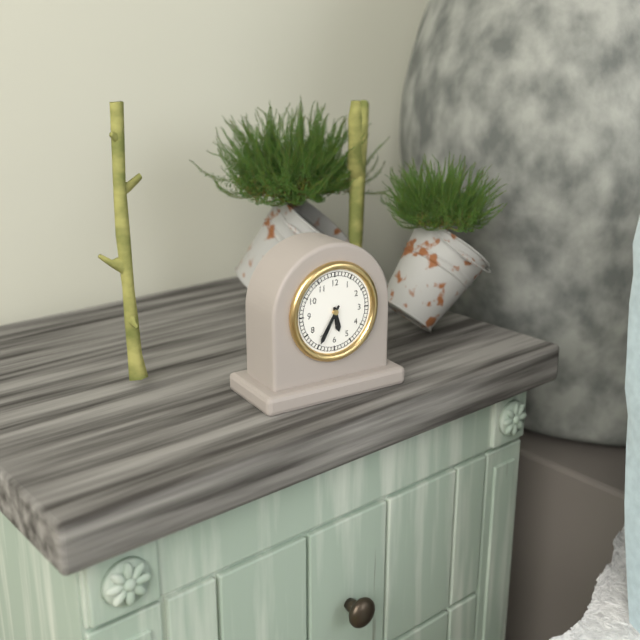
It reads 5,35
